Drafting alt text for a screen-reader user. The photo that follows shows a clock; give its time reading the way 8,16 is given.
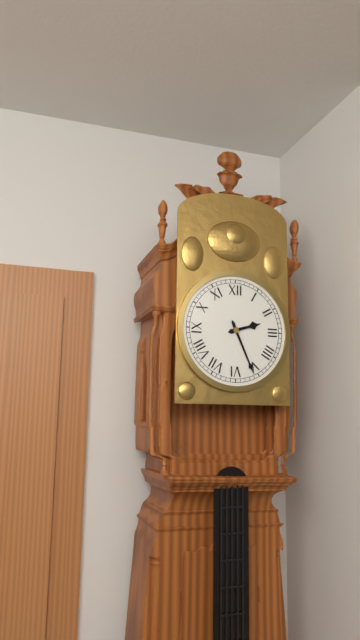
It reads 2,26
